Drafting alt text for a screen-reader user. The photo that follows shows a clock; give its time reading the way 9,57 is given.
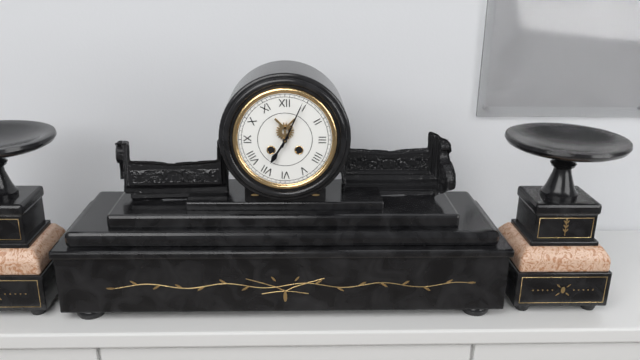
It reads 7,04
